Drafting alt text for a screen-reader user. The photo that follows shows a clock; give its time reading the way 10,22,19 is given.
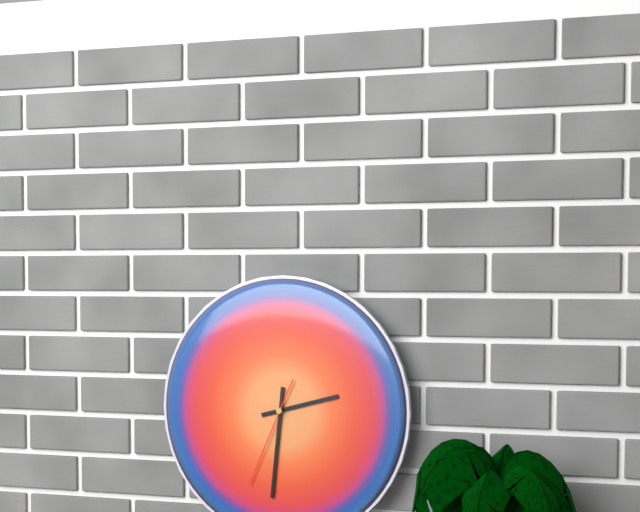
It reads 2,31,34
